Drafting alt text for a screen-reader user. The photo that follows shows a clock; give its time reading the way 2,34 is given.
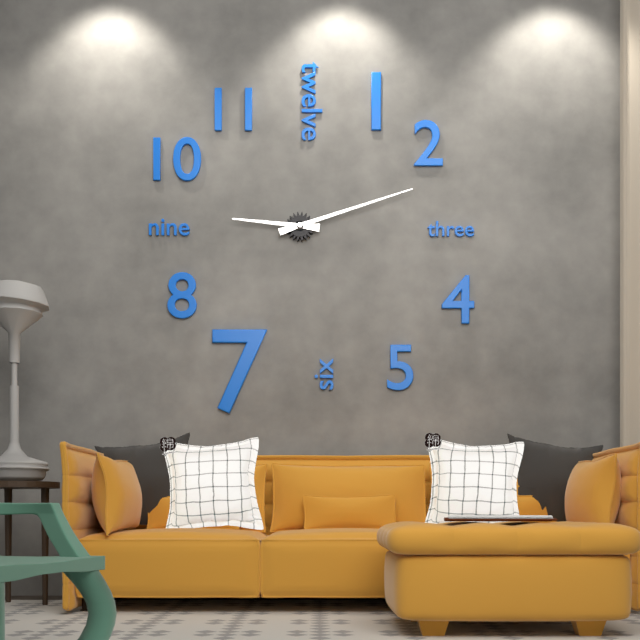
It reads 9,12
